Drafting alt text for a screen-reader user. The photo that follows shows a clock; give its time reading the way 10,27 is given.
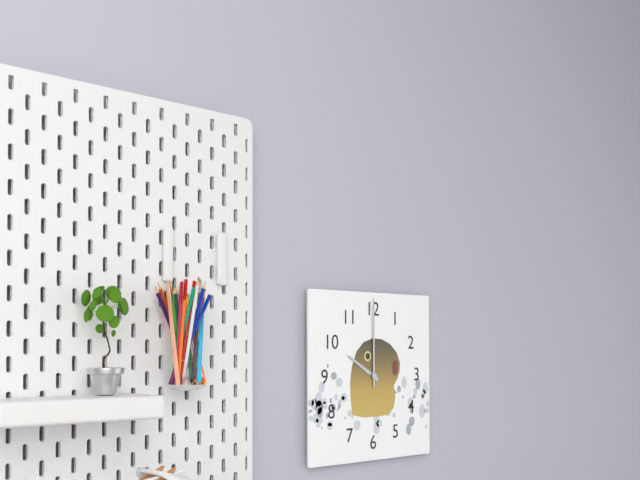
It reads 10,00
